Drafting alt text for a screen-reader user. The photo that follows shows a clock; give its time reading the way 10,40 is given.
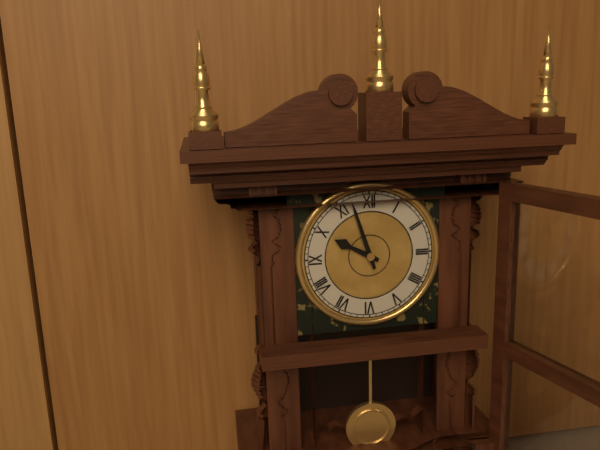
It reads 9,57
